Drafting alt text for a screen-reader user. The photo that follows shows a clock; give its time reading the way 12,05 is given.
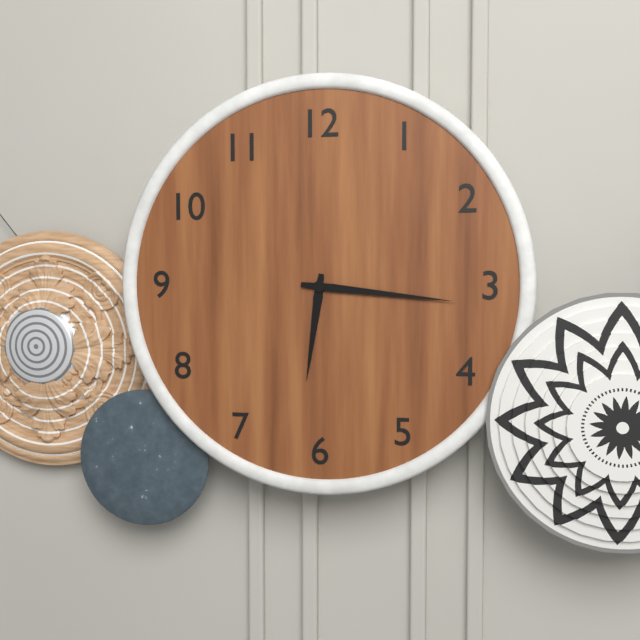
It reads 6,16
